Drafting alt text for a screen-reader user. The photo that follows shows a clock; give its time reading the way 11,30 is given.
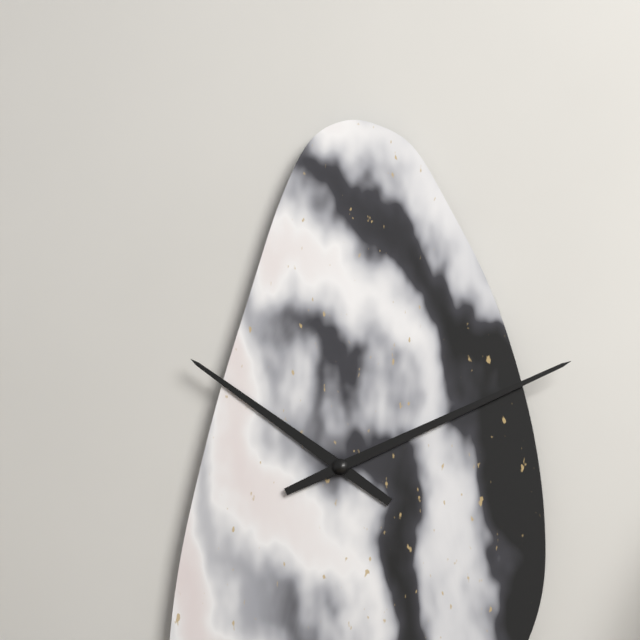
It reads 10,11
